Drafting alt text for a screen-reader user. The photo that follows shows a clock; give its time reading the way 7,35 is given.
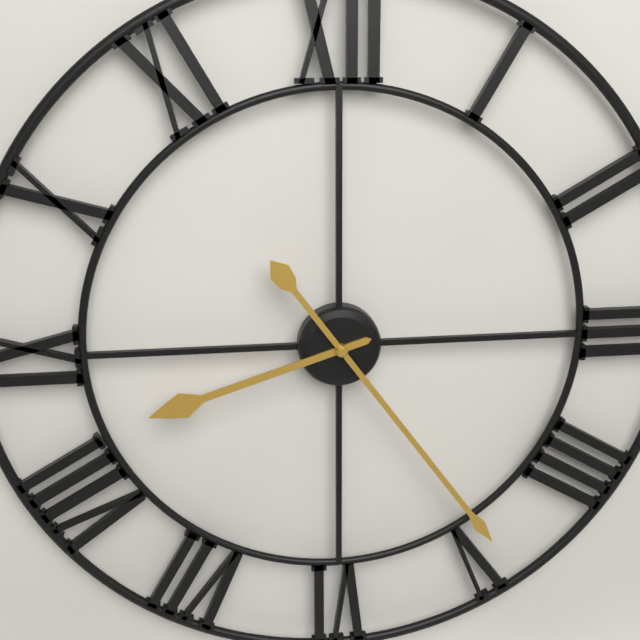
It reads 8,24
